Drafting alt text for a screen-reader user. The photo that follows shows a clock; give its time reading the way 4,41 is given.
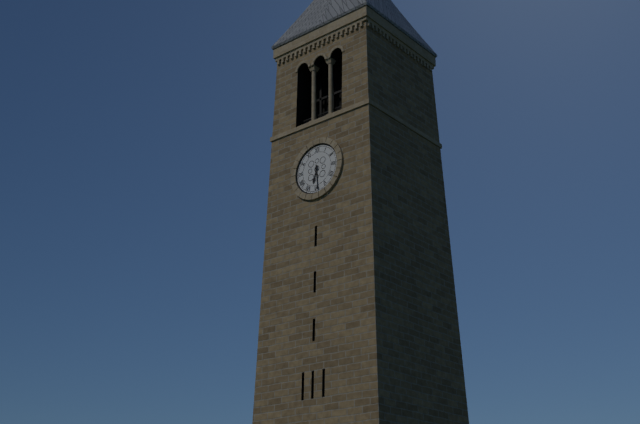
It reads 6,29
